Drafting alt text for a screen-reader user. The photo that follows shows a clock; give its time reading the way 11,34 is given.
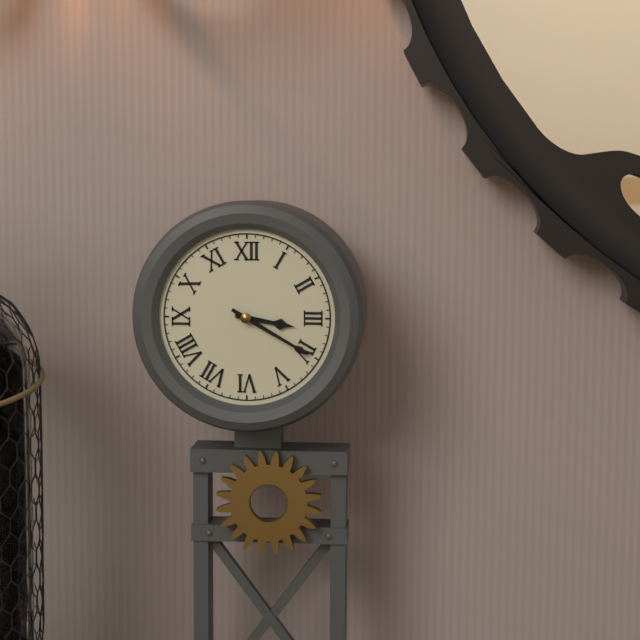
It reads 3,20
